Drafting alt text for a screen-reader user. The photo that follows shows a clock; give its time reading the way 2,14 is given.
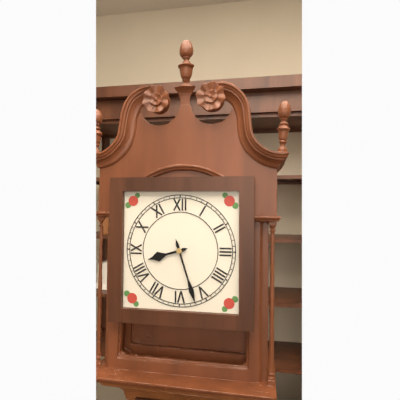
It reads 8,27
